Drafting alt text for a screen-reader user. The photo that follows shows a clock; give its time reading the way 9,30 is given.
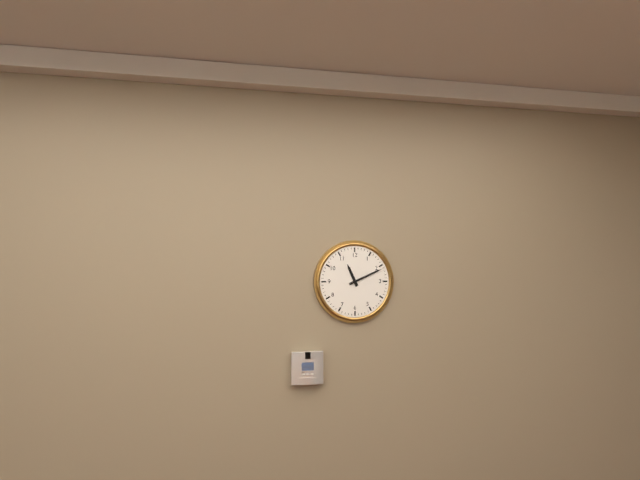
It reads 11,11
